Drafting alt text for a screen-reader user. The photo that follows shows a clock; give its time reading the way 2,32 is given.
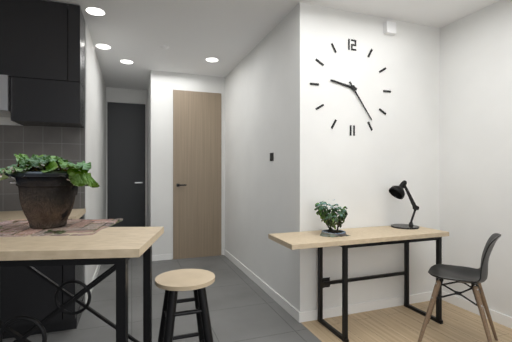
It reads 9,24
